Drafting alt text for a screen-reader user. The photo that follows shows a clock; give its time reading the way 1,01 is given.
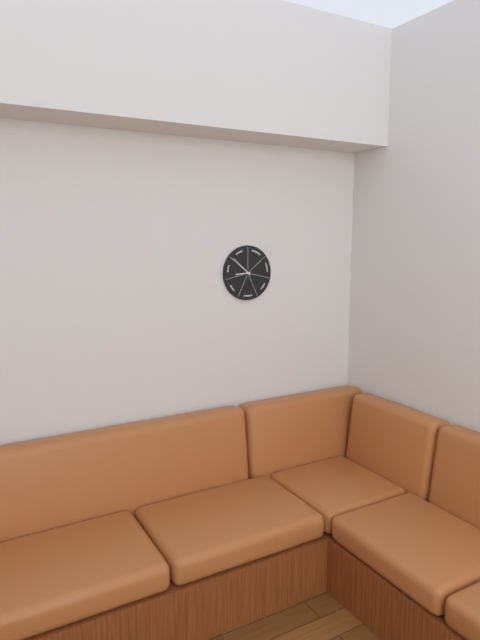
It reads 8,52
